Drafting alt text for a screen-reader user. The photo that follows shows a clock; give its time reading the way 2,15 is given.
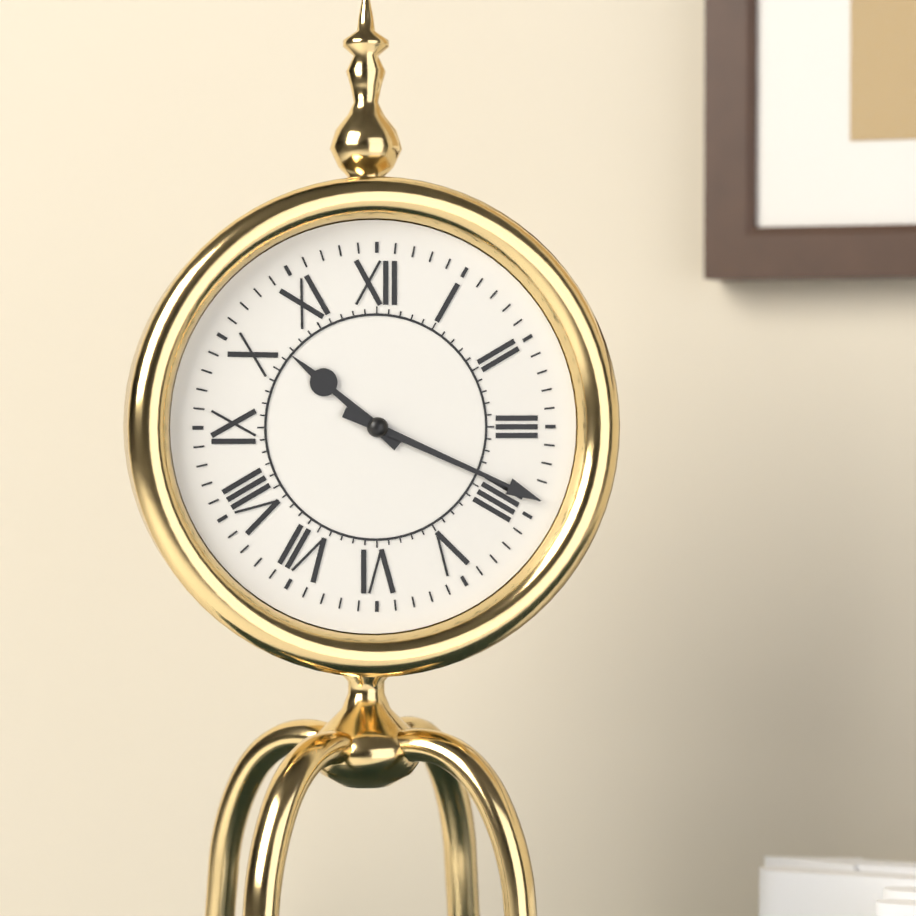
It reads 10,19
